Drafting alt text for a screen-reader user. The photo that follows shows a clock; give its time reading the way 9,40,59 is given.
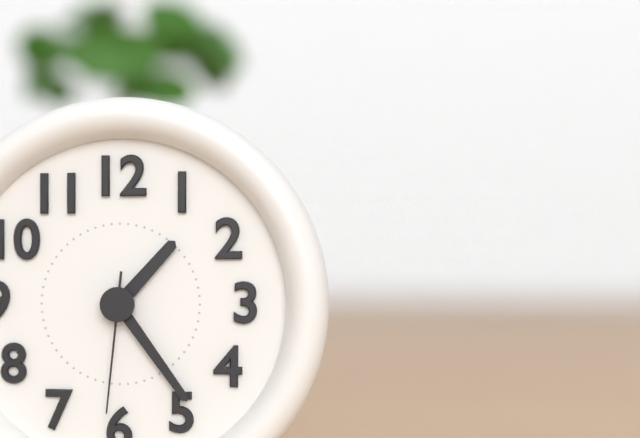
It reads 1,24,31
